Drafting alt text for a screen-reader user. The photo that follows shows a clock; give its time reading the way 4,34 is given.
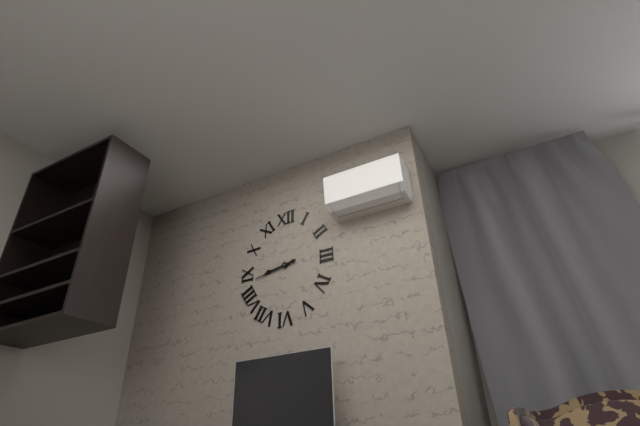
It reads 8,43
